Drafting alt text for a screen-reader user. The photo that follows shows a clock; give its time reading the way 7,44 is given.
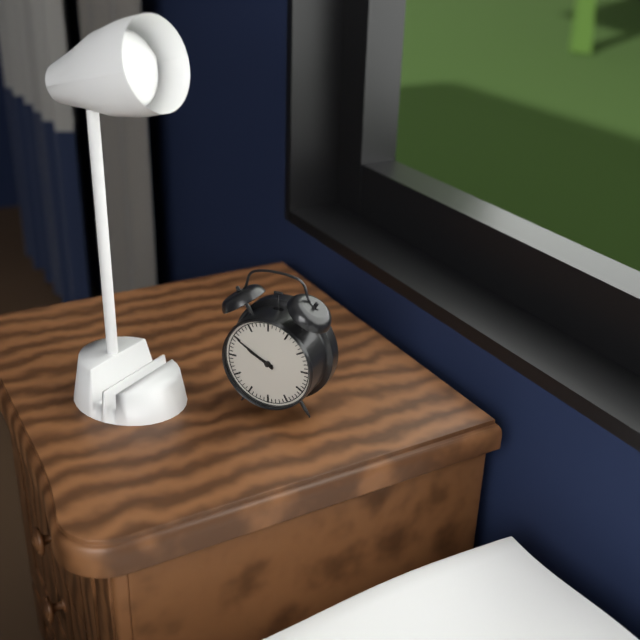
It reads 9,50
